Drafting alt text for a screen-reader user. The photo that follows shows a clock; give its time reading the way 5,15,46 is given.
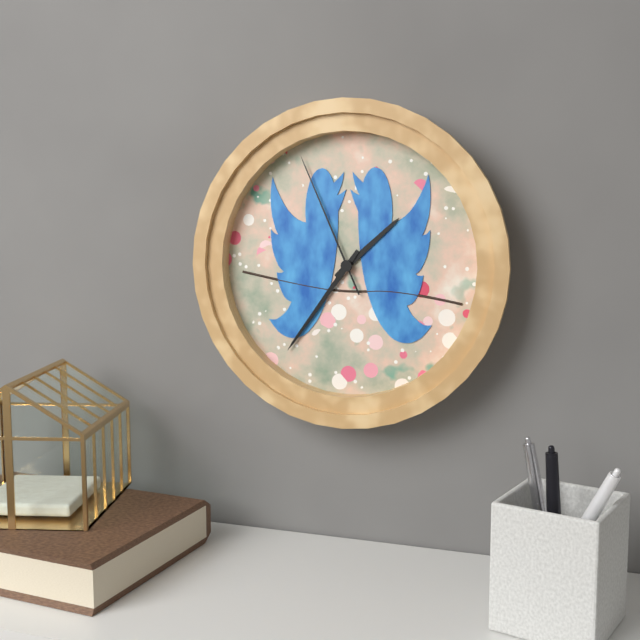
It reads 1,36,56
